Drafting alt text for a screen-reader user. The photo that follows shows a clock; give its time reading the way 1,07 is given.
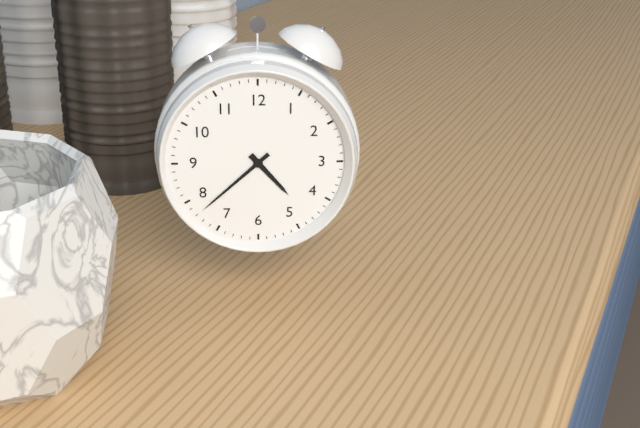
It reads 4,38
